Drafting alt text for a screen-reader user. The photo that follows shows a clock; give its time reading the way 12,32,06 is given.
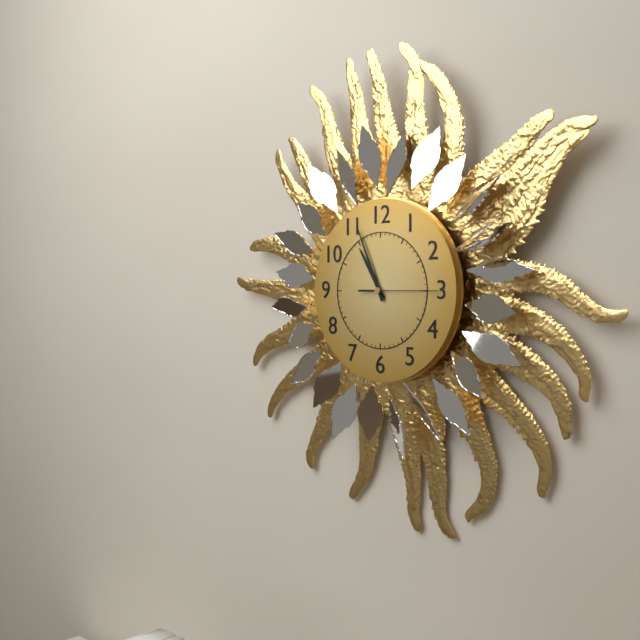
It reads 10,56,15
